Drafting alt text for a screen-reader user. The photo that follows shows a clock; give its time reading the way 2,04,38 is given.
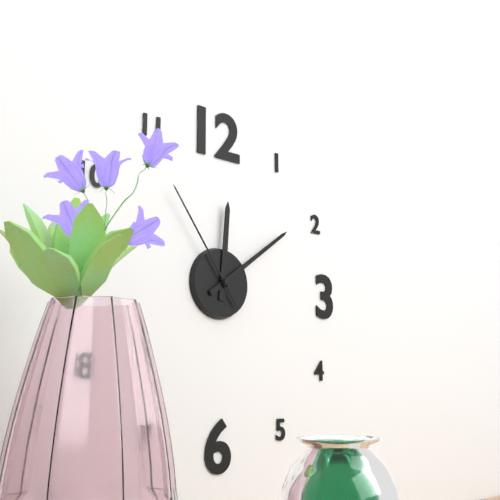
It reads 12,09,54
